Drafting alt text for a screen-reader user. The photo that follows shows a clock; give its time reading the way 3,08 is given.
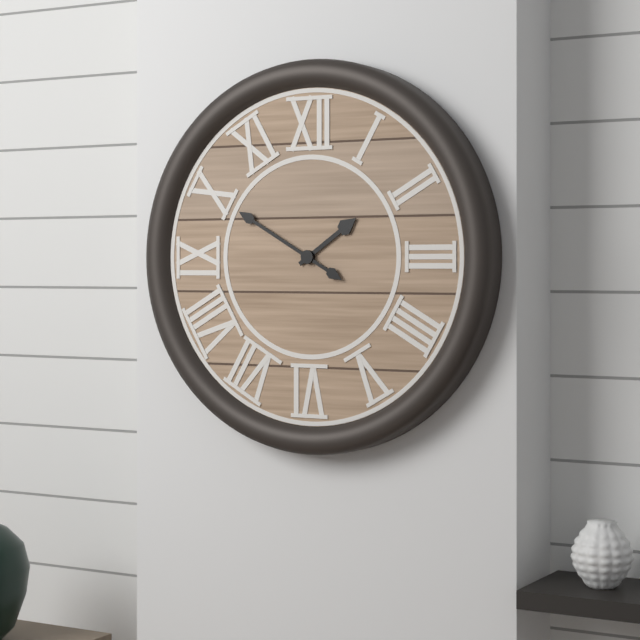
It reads 1,50
